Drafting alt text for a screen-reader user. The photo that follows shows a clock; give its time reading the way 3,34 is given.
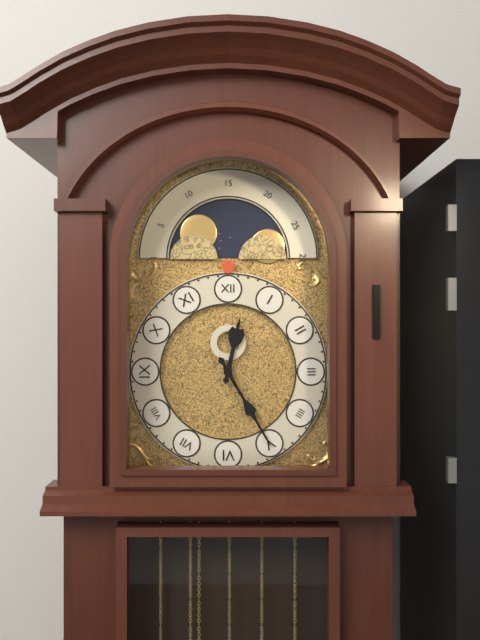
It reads 12,25
